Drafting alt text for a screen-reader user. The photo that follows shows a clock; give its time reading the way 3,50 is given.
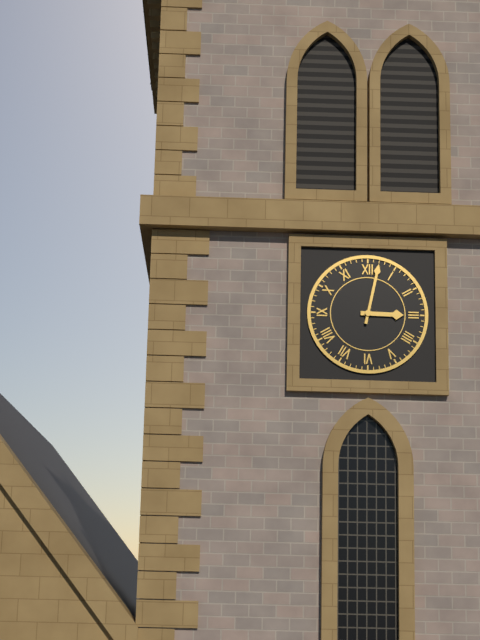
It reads 3,02
